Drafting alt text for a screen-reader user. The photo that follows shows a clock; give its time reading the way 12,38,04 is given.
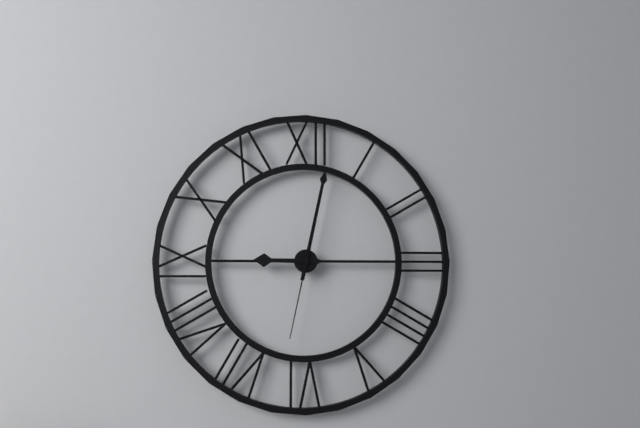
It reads 9,02,32
